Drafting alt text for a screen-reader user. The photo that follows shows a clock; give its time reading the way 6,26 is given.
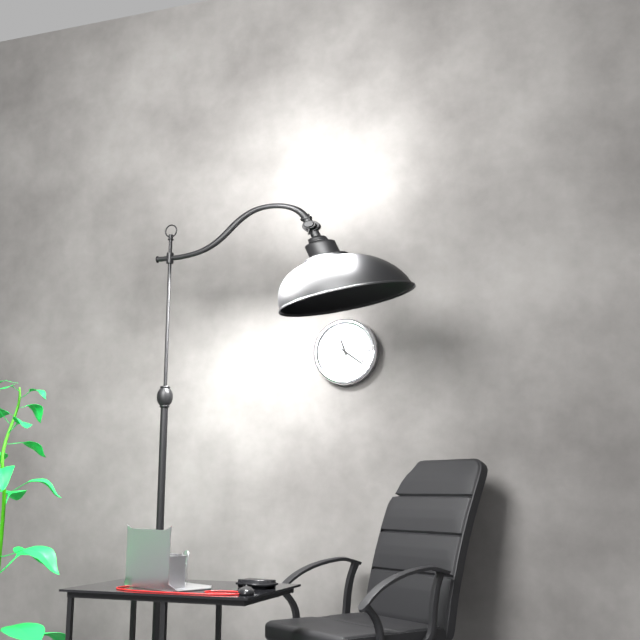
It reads 11,21
